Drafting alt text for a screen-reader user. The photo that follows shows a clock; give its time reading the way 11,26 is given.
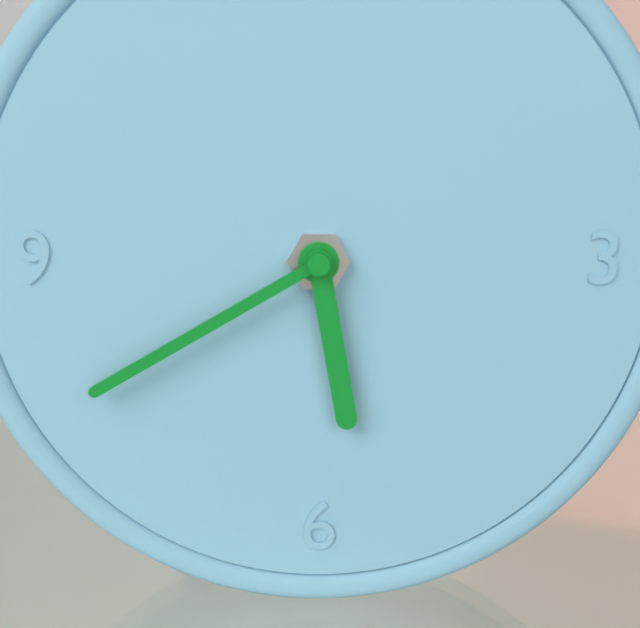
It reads 5,40
